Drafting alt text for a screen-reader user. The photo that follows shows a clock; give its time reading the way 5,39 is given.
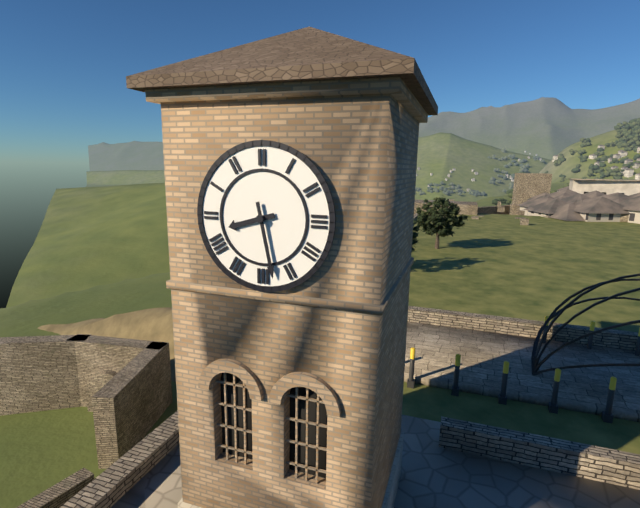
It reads 8,28
